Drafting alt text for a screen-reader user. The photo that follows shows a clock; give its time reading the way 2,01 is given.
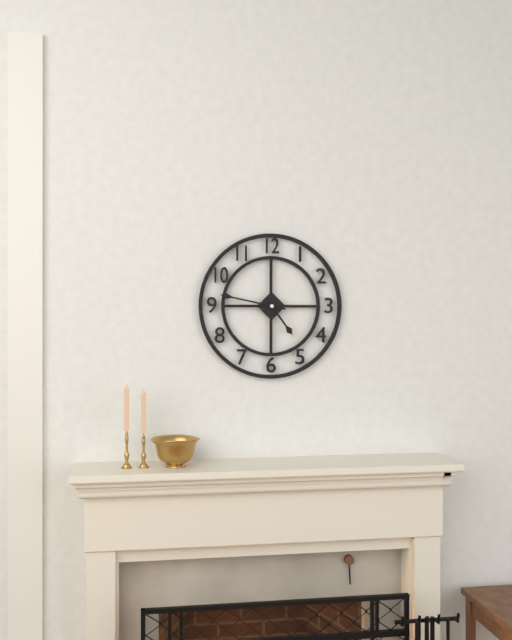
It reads 4,47
